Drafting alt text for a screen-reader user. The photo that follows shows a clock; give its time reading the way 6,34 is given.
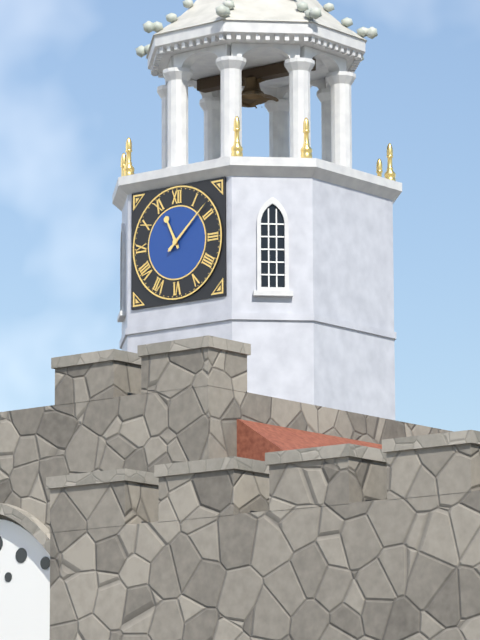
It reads 11,08
